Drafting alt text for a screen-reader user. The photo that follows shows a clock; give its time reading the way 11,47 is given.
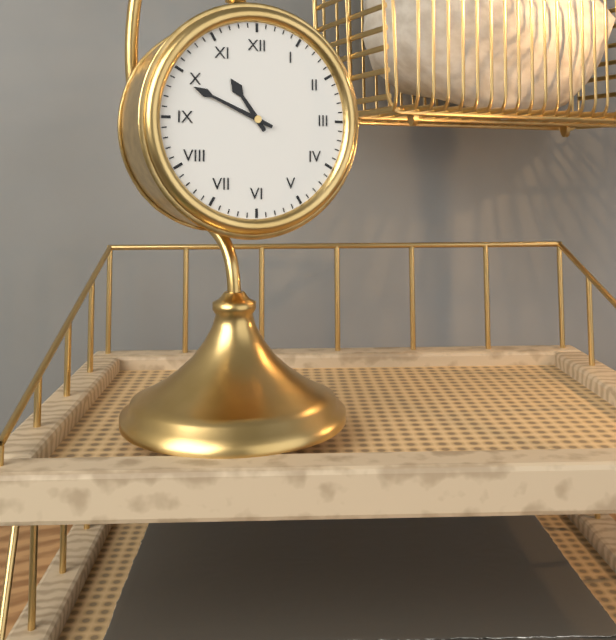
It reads 10,49
